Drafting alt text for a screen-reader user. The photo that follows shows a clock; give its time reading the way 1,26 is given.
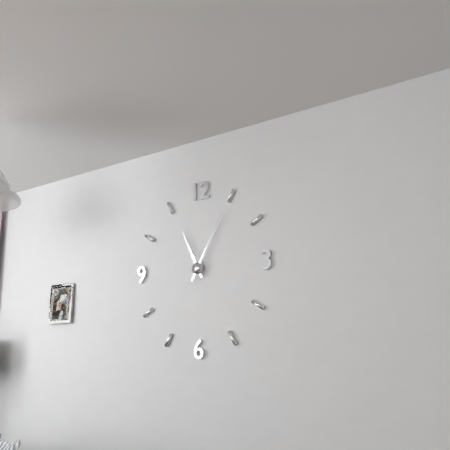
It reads 11,05
